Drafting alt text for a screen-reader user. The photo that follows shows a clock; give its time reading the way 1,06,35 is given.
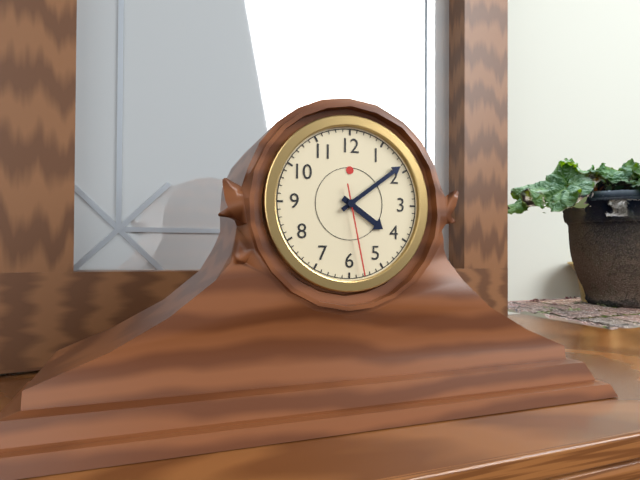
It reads 4,09,28
